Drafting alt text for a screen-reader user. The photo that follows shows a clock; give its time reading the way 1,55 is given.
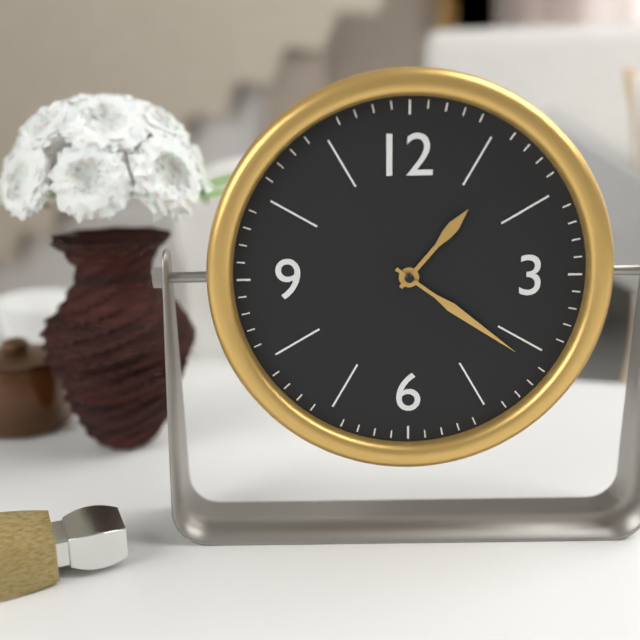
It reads 1,21
